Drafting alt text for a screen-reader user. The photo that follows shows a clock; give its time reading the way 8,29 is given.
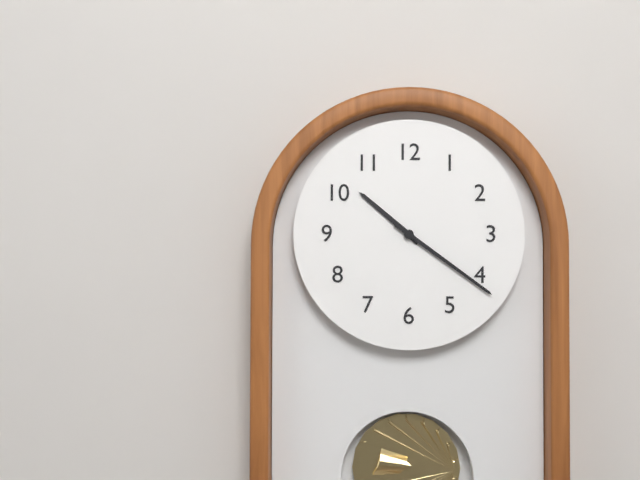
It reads 10,21
